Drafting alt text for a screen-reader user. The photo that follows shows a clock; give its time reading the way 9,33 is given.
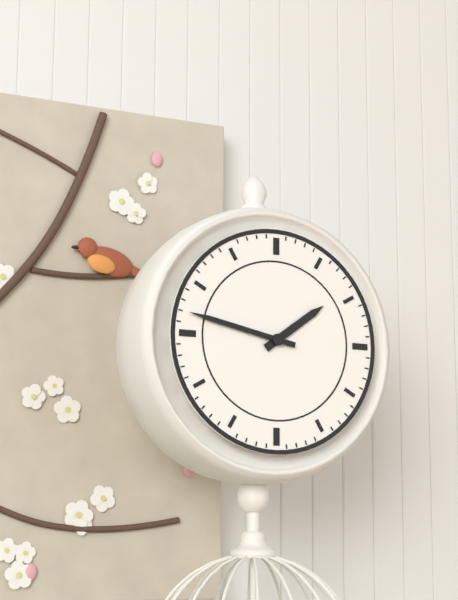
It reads 1,47
